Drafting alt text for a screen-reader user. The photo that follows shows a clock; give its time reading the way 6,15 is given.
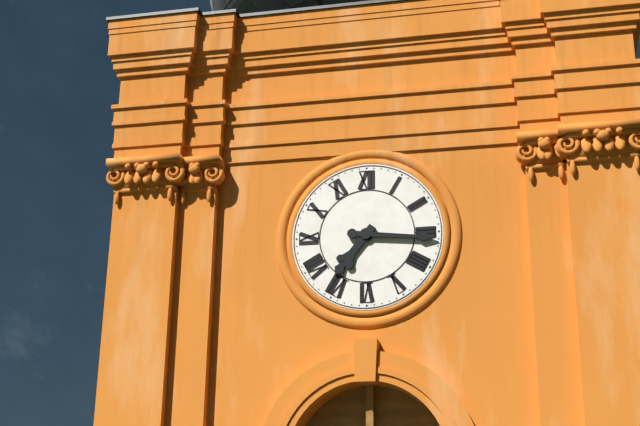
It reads 7,16
